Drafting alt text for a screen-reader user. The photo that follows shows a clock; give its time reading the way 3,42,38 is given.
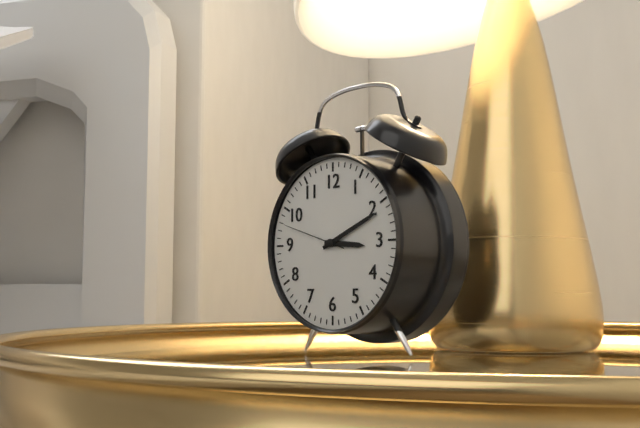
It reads 3,11,48
